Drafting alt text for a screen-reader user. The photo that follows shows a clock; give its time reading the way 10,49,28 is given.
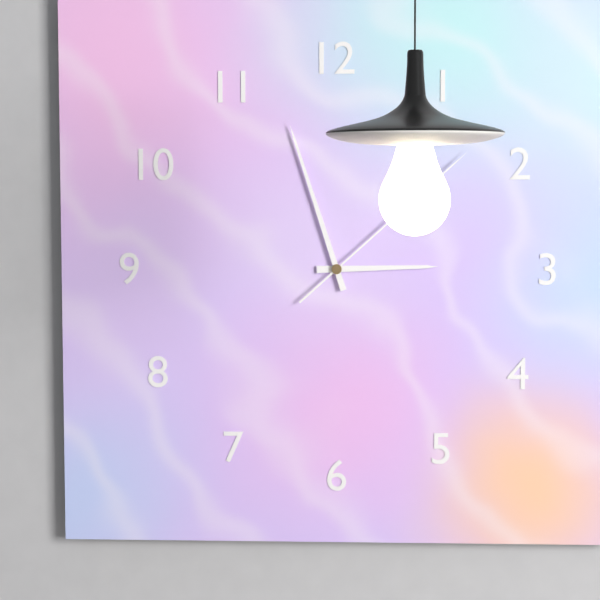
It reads 2,57,08
